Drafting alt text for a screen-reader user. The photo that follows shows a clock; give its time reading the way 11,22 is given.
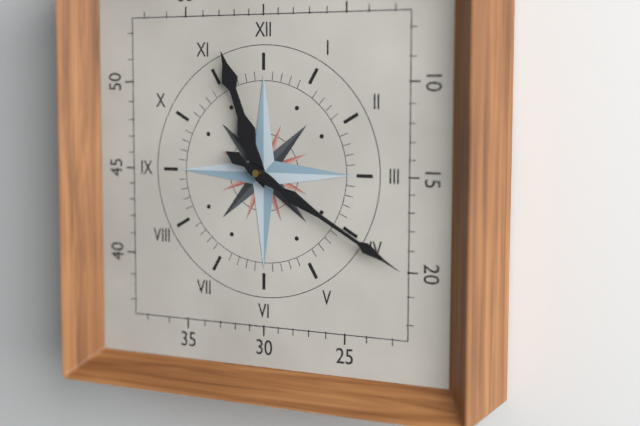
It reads 11,20
